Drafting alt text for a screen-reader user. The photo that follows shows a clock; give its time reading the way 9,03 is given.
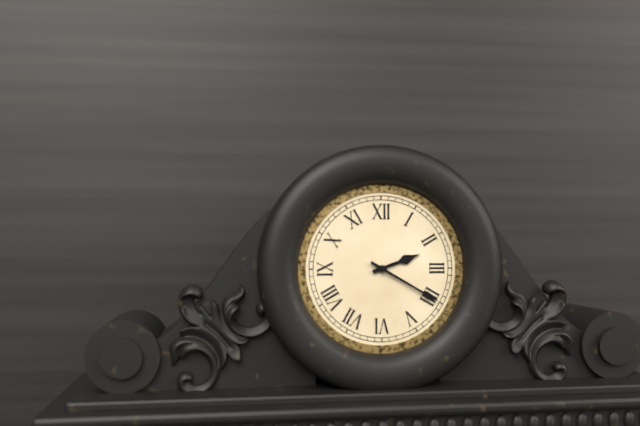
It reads 2,20
